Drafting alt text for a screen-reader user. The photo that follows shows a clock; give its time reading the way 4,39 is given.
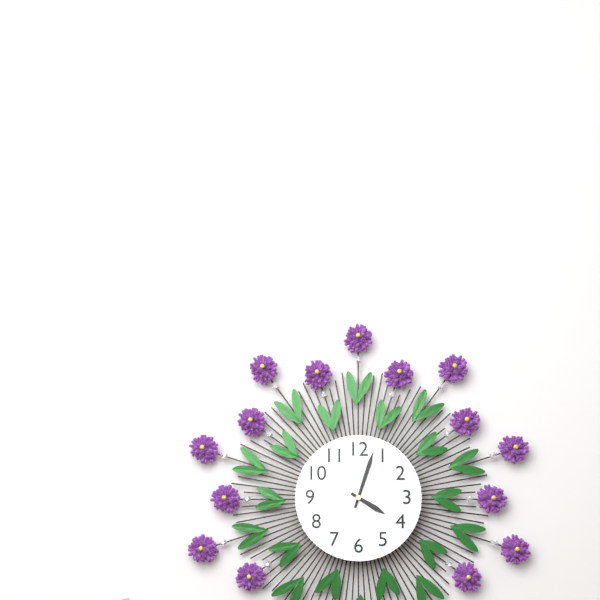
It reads 4,03
